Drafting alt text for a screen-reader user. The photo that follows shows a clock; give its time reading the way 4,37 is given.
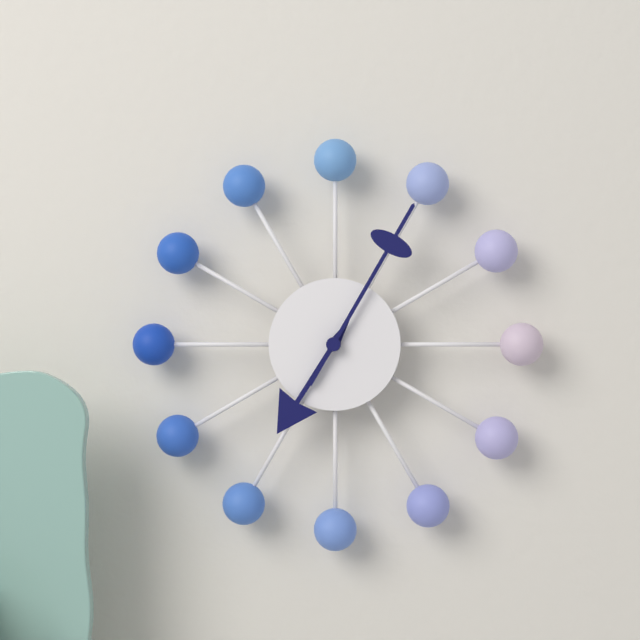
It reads 7,05
